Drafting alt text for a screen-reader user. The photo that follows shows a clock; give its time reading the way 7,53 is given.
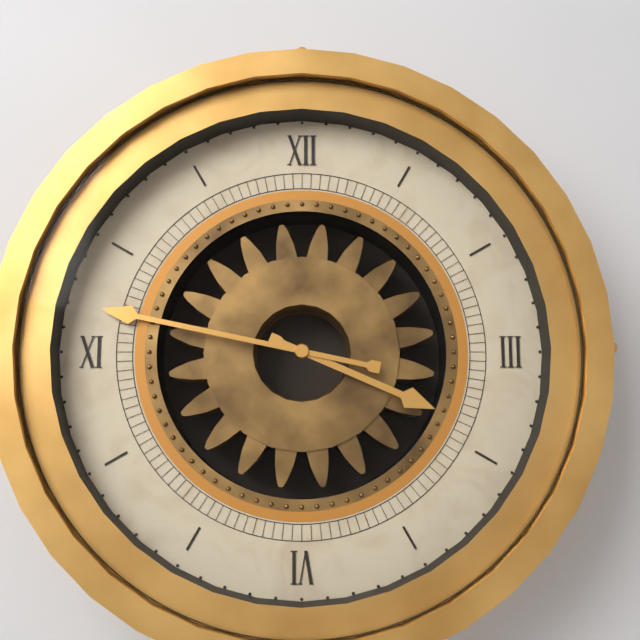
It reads 3,47
